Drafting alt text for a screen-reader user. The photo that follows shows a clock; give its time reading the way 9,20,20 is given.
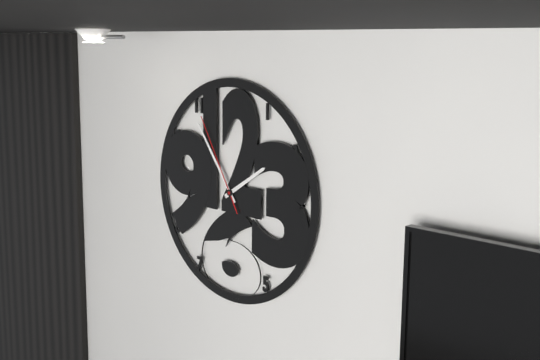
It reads 1,54,55
